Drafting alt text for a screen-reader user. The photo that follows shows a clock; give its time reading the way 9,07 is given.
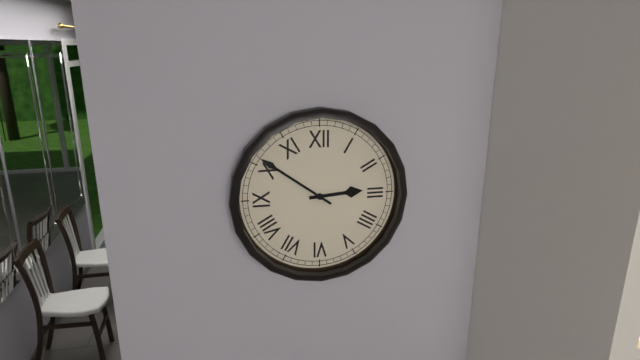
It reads 2,51
